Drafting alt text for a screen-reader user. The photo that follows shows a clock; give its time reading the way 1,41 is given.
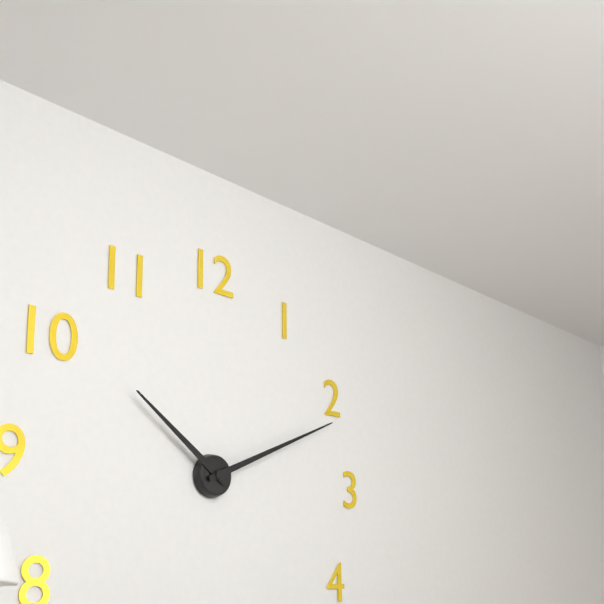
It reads 10,11
